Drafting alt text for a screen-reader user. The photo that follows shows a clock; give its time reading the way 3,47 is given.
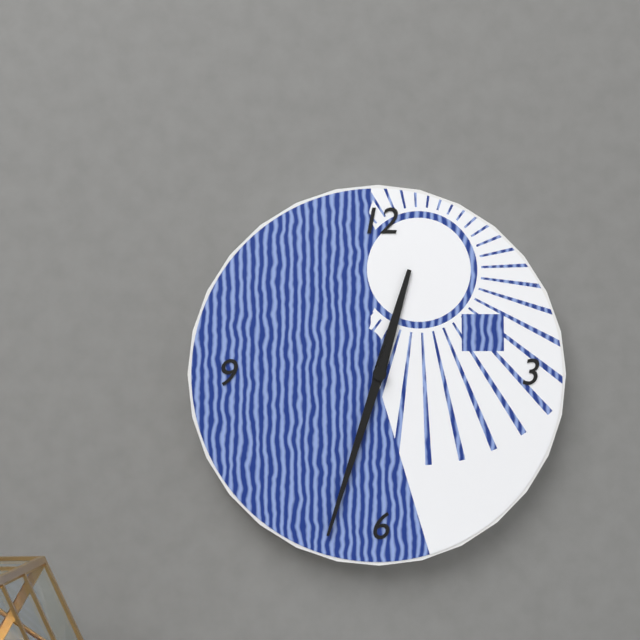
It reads 12,33
